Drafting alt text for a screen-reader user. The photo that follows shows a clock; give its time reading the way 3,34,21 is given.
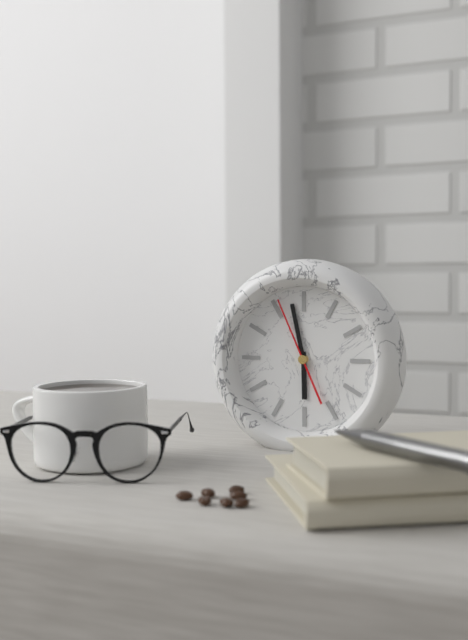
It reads 5,58,56
